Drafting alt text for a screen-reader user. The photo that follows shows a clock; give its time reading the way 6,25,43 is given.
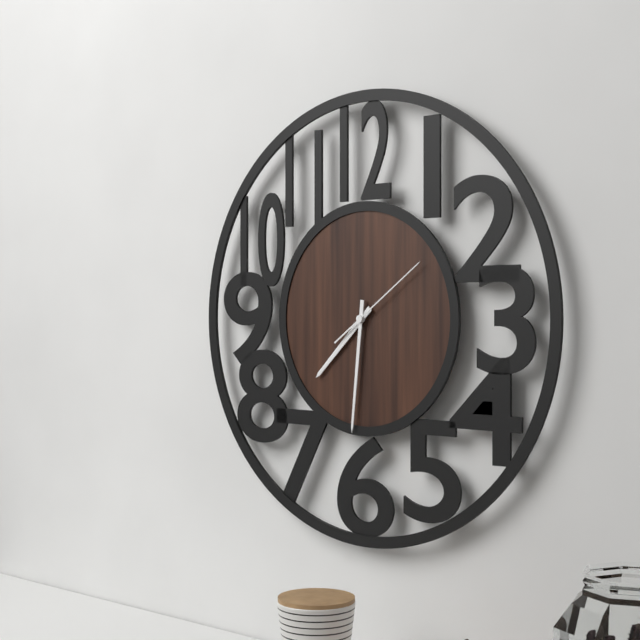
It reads 7,31,09
